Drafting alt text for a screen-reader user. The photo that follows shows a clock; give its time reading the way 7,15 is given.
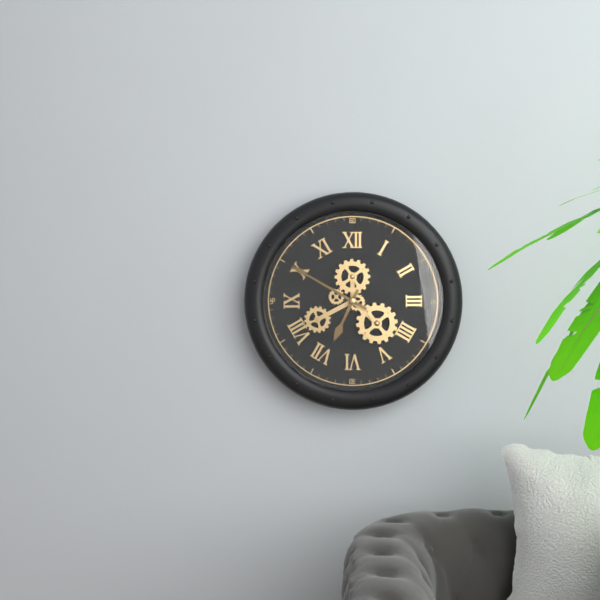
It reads 6,50
